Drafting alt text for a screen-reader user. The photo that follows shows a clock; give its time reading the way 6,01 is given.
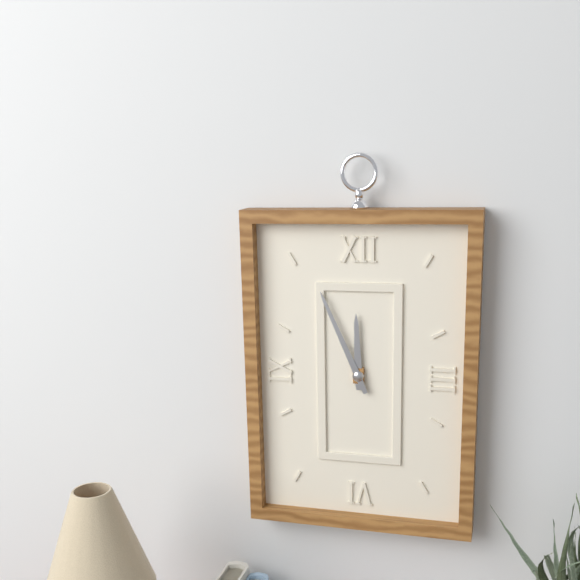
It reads 11,56
